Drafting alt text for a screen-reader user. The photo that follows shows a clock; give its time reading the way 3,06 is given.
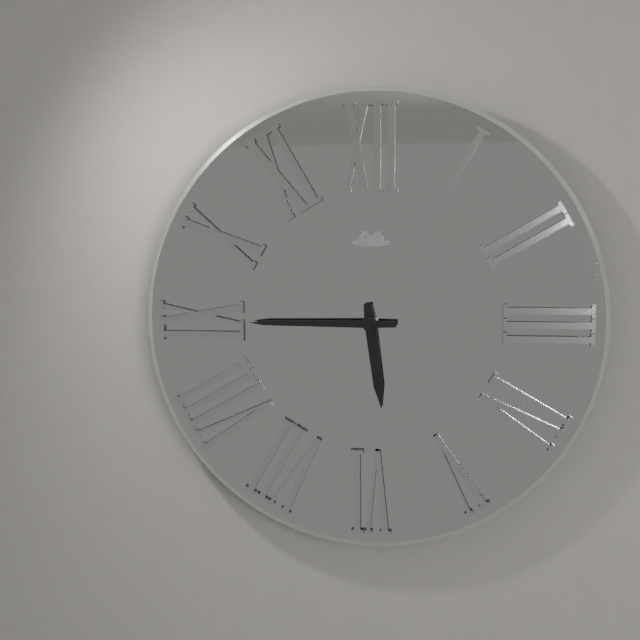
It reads 5,45
